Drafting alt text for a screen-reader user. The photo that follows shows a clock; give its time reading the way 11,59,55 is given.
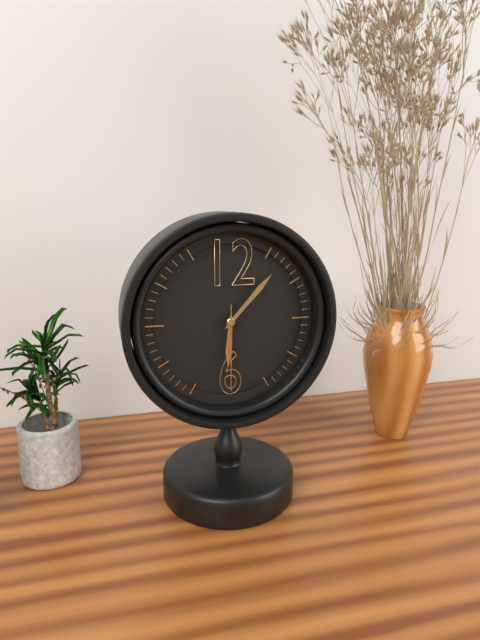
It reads 6,07,30
